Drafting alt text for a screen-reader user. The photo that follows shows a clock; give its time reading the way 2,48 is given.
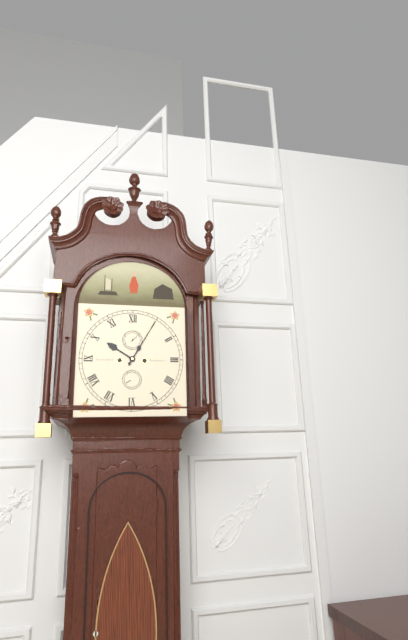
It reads 10,05
